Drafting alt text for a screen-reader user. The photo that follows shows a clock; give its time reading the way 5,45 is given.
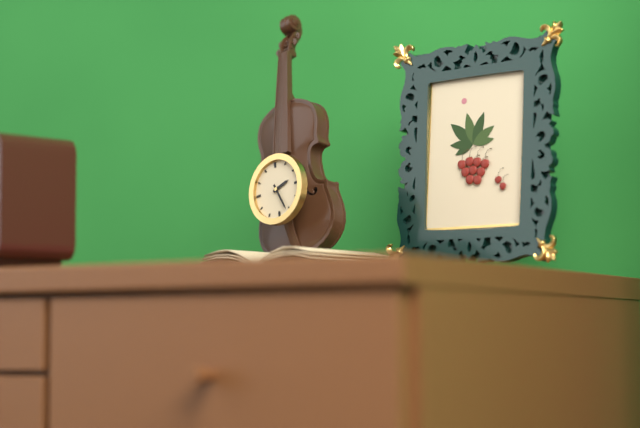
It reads 2,26
